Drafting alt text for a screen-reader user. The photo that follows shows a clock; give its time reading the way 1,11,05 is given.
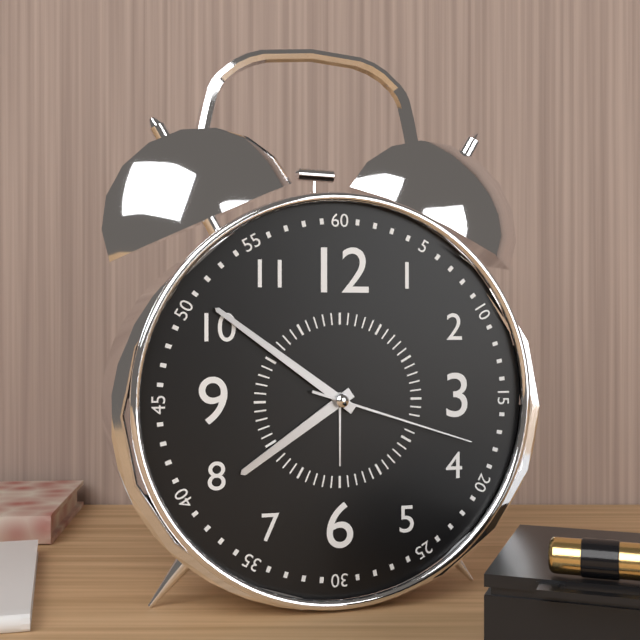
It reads 7,51,18
